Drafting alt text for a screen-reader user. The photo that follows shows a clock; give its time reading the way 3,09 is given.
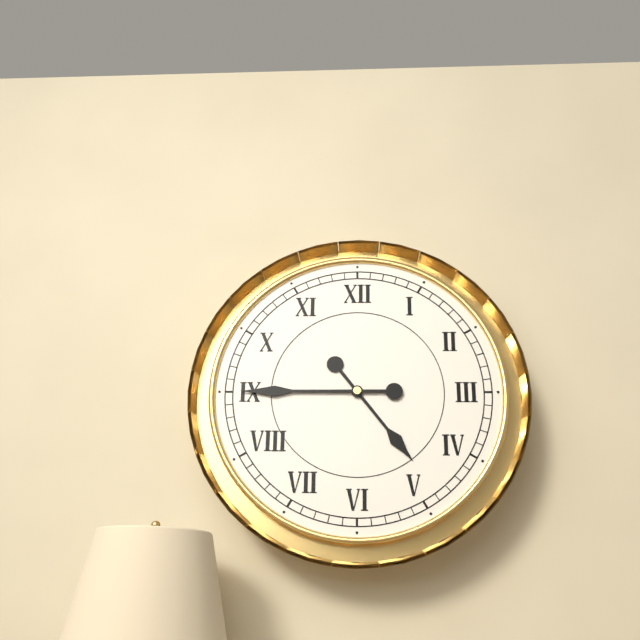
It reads 4,45
